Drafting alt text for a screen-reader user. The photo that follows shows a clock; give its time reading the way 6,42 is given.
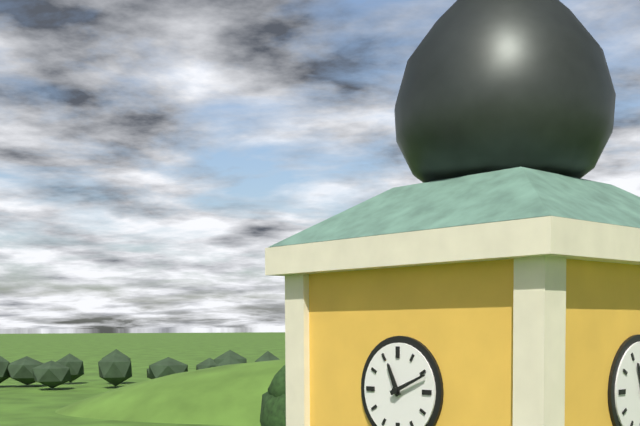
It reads 11,11
